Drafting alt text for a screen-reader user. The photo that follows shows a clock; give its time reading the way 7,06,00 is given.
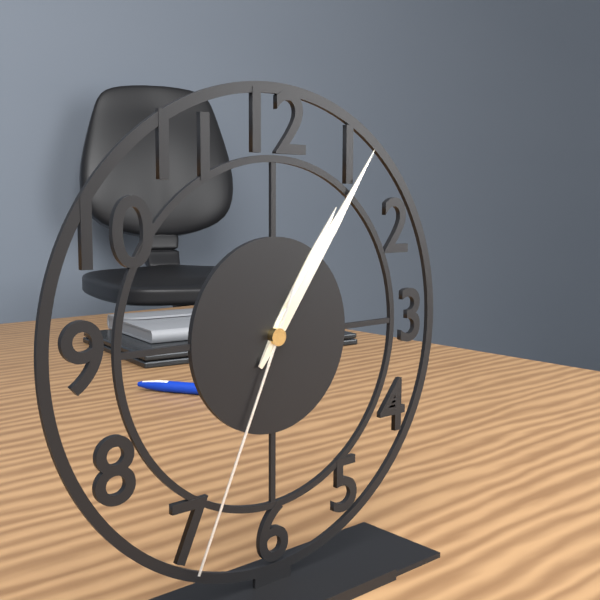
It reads 1,06,34
